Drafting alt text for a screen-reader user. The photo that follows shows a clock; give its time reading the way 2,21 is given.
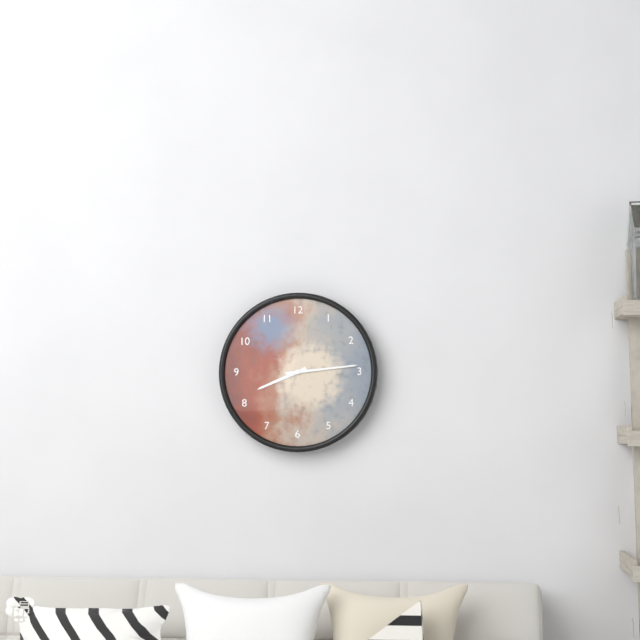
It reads 8,14
